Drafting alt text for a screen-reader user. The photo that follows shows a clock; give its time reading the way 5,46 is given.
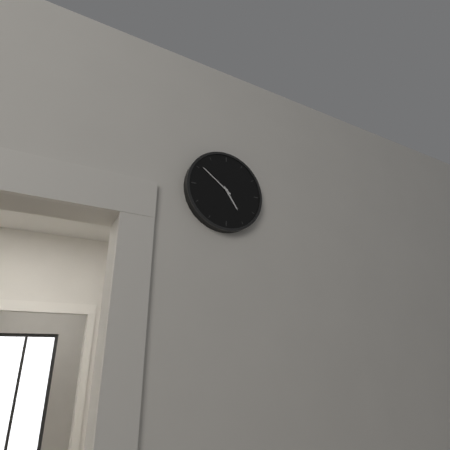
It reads 4,51
